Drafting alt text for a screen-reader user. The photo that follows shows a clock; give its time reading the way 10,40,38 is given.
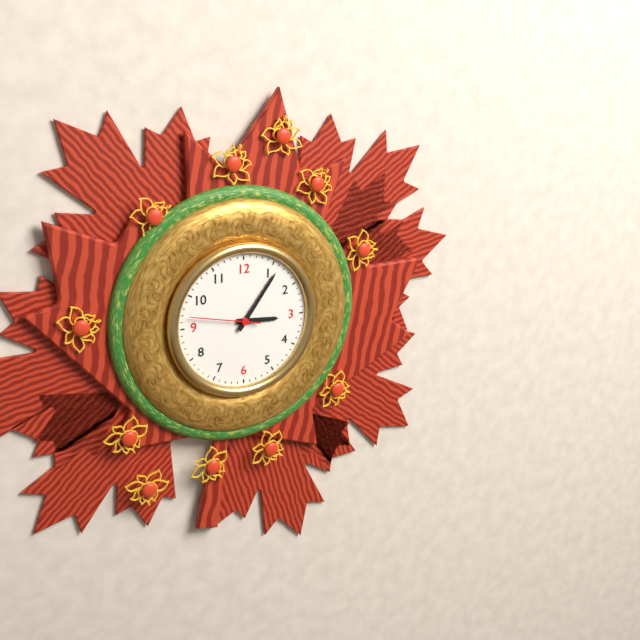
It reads 3,06,47
